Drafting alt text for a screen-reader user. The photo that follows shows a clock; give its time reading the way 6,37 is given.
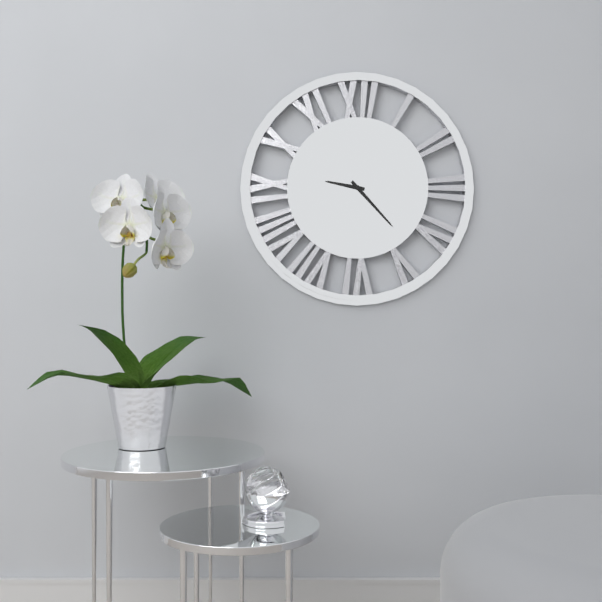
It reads 9,23
